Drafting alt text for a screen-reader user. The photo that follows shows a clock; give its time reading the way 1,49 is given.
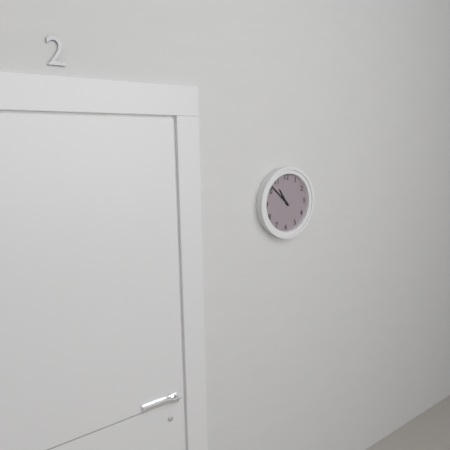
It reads 10,52
